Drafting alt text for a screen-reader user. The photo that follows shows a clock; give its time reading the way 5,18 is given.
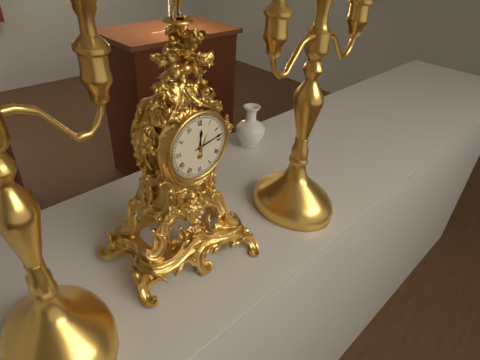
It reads 12,13
